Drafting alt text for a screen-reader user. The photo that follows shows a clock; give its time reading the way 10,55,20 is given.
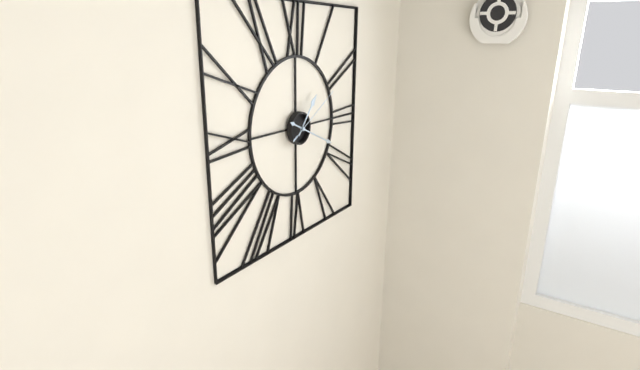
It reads 1,19,10
